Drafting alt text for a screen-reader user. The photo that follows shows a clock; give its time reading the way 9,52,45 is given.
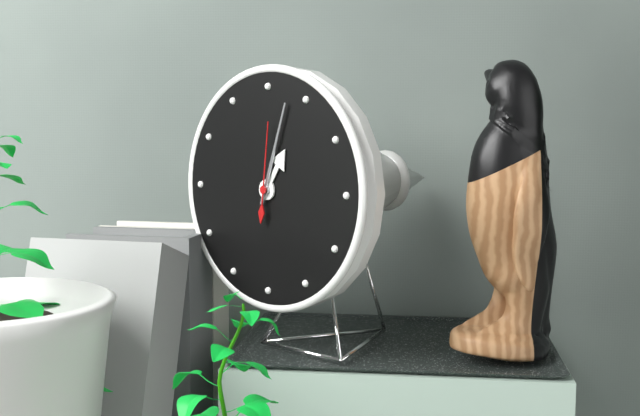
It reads 1,03,01
